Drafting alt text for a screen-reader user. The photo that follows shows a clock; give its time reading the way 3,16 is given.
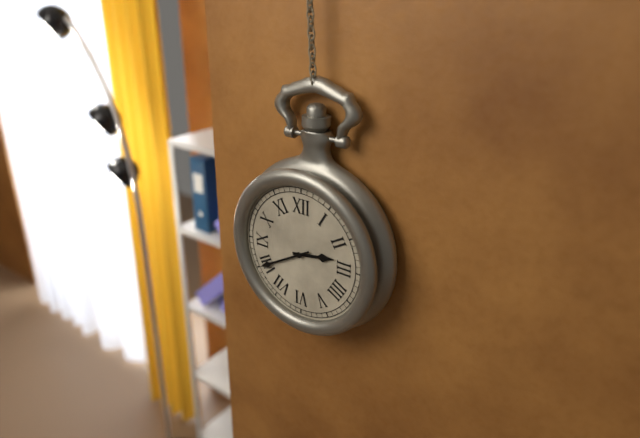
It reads 2,40
